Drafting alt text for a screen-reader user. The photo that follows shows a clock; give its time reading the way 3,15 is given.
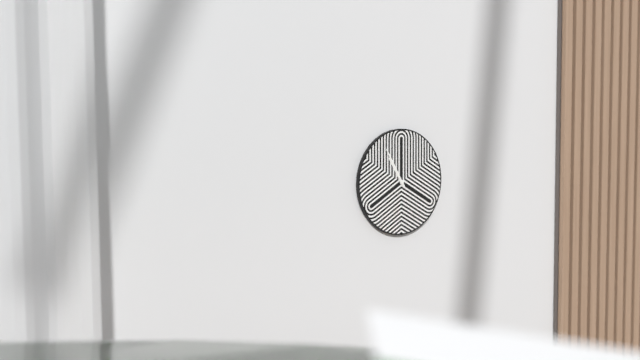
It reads 10,55
